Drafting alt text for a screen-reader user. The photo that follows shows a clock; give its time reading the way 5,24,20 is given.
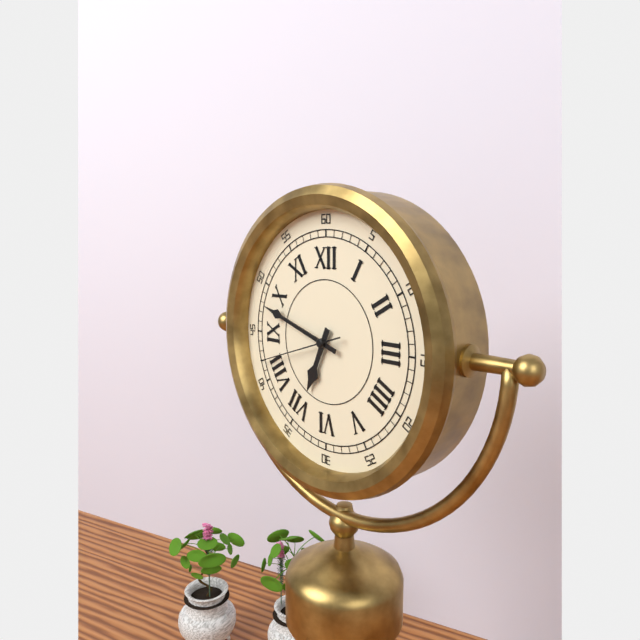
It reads 6,48,42
